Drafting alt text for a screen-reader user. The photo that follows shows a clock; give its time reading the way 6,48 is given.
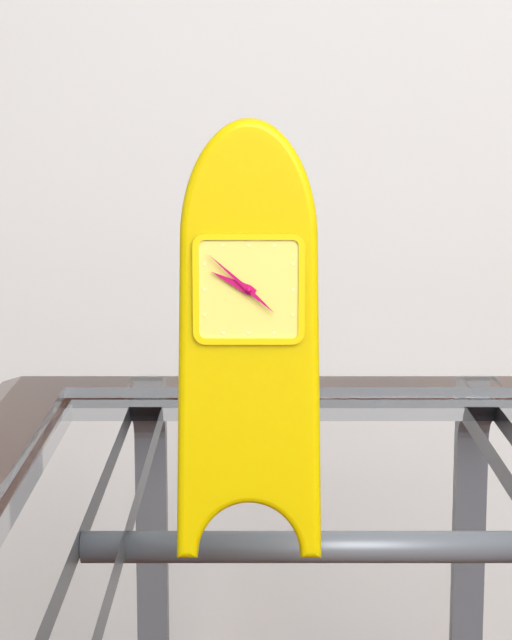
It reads 9,52
